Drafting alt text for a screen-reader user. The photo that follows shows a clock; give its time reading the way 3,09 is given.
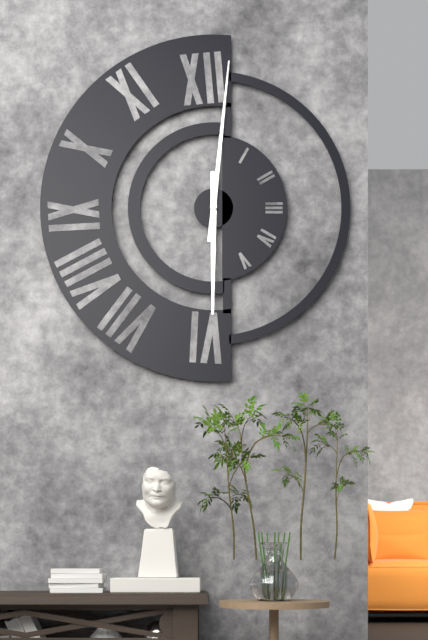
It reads 6,01
